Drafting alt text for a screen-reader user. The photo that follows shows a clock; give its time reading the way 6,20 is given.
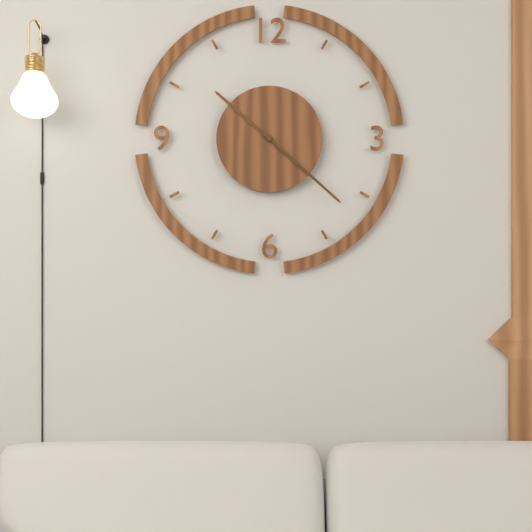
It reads 10,22
